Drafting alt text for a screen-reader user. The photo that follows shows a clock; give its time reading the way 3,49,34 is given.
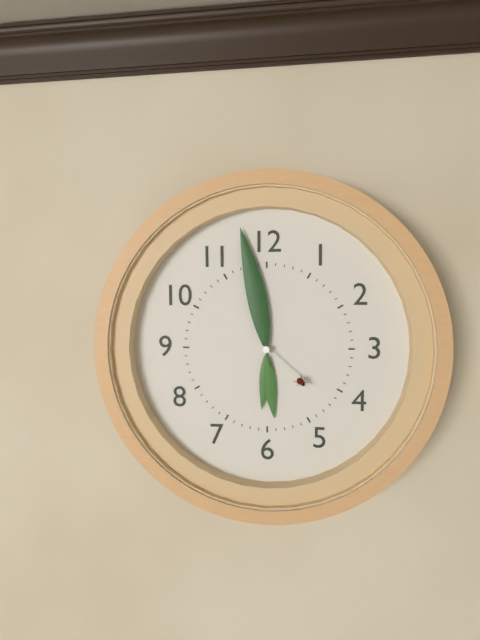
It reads 5,58,22
